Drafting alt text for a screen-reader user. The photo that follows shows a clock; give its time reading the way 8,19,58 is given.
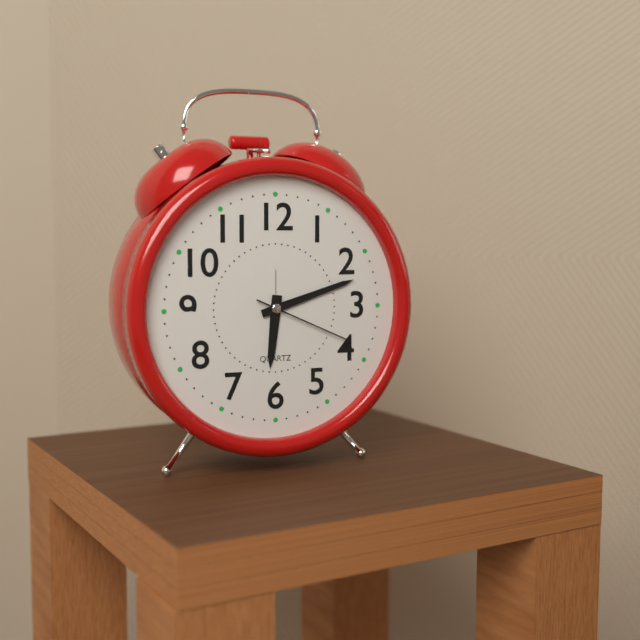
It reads 6,12,19
